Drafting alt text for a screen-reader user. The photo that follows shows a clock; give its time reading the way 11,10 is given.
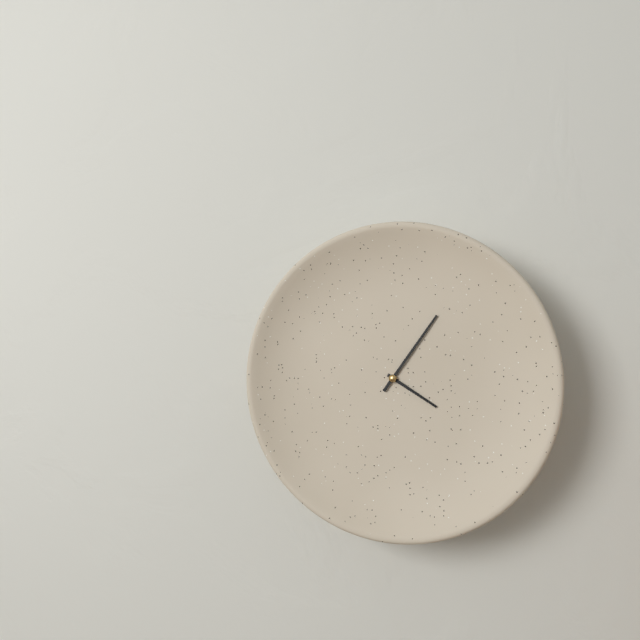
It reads 4,06
